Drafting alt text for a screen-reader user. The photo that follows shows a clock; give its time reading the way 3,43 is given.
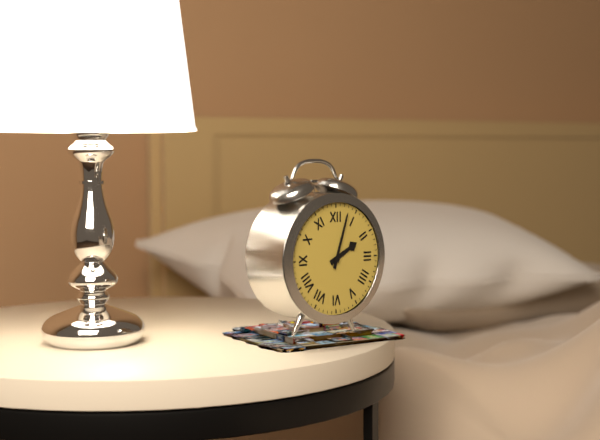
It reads 2,03
